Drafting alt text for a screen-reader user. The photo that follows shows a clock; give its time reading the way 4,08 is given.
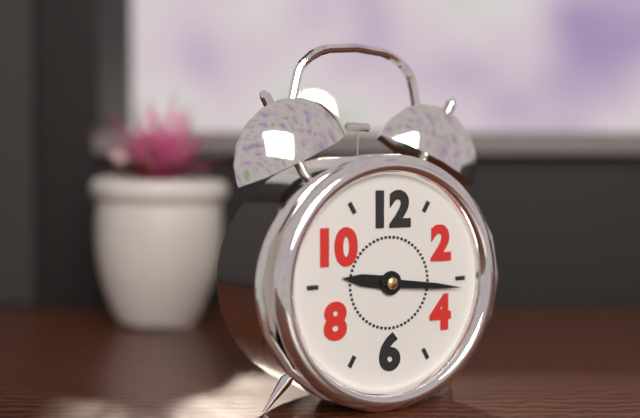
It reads 9,16
